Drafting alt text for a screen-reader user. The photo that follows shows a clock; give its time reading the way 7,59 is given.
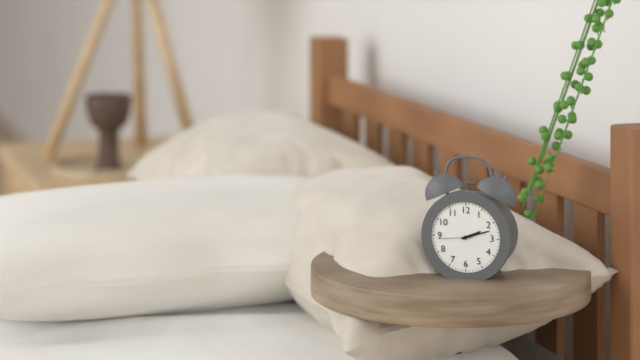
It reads 2,12
